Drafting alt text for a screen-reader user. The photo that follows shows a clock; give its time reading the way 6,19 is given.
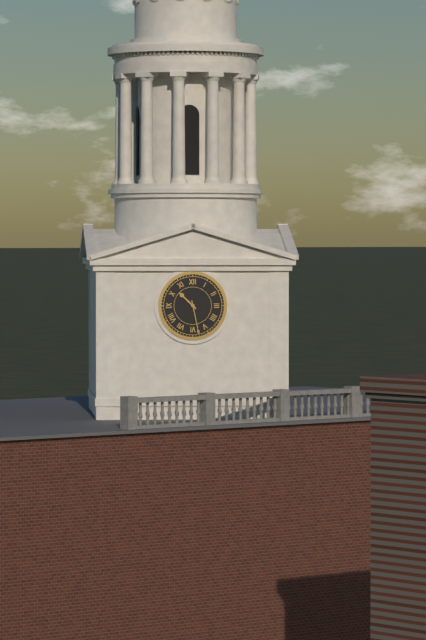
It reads 10,28
